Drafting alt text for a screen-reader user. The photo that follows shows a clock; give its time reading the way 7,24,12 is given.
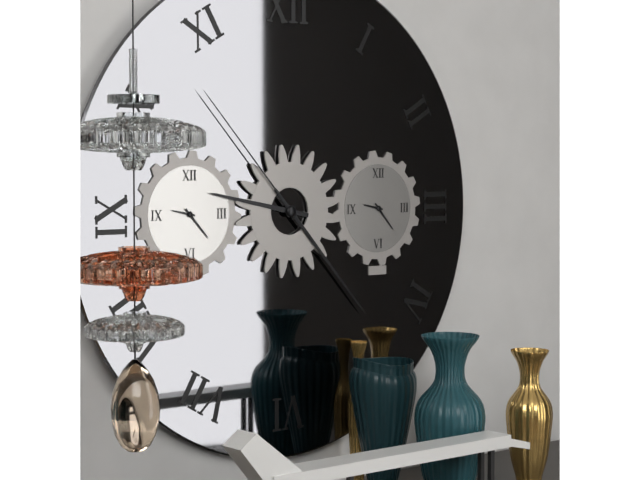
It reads 9,23,53
